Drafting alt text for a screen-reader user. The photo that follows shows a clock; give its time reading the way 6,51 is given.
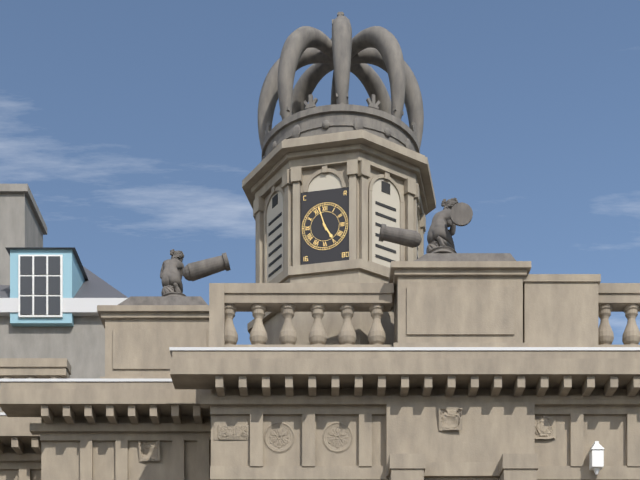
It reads 4,57
